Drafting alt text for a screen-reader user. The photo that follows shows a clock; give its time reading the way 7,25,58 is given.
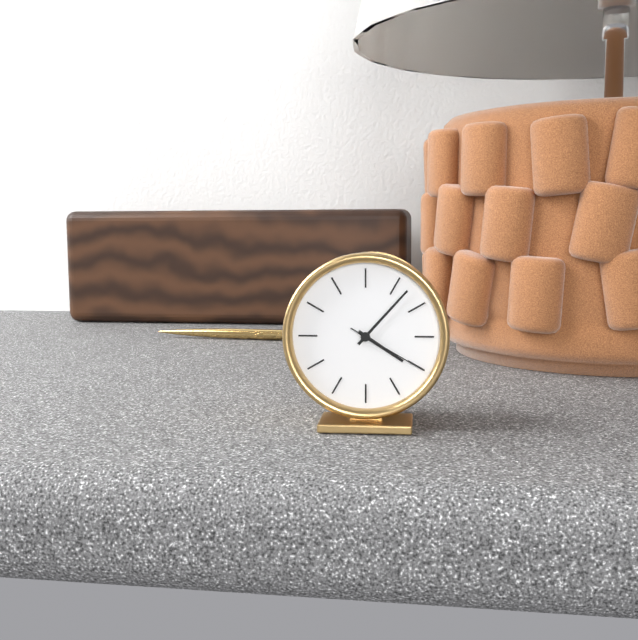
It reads 4,07,20
